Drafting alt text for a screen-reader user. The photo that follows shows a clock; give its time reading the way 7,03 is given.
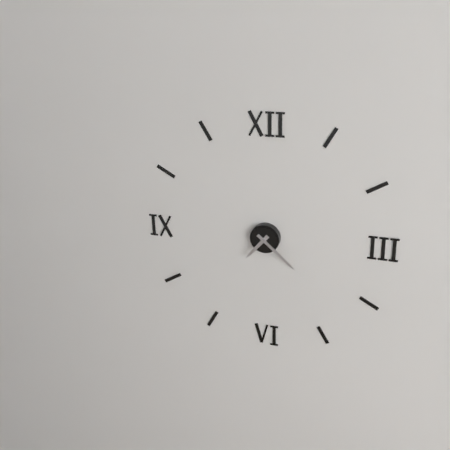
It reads 7,22
